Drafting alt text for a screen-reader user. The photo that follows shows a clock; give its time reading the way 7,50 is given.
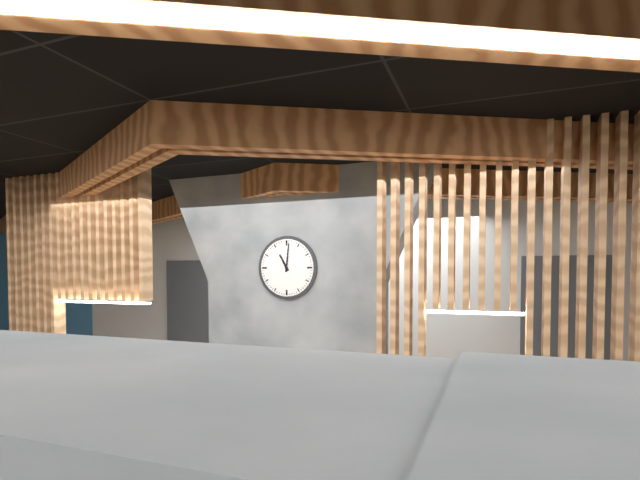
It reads 11,01
